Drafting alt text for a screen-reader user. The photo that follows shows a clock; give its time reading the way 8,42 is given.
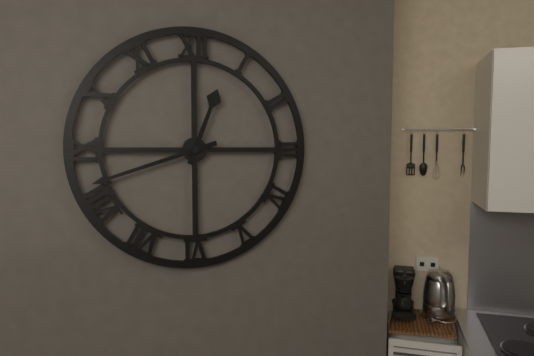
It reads 12,42
